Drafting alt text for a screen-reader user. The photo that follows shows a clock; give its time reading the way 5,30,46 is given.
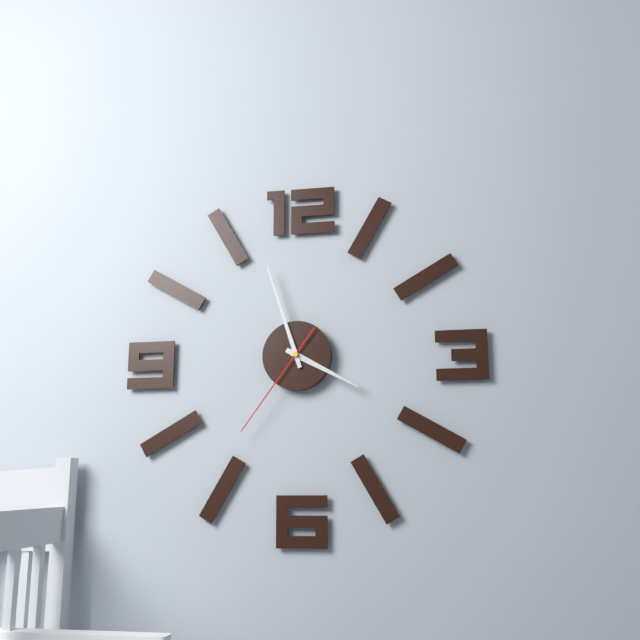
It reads 3,57,36
